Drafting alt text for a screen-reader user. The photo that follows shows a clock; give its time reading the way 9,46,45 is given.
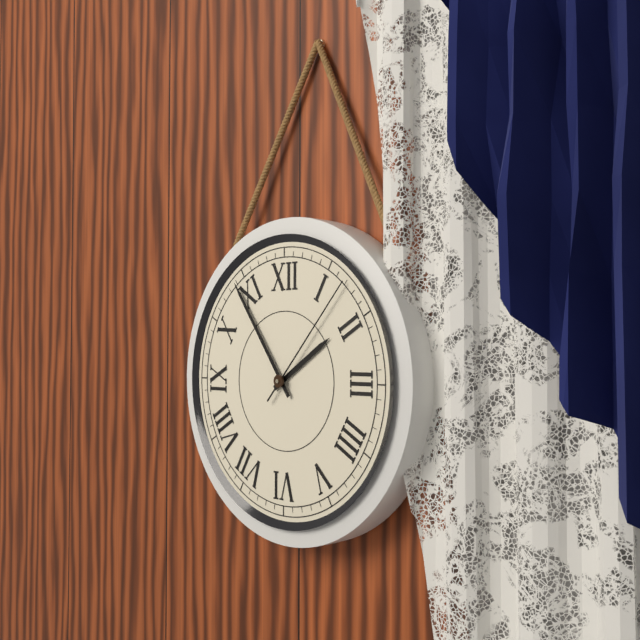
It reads 1,54,07
